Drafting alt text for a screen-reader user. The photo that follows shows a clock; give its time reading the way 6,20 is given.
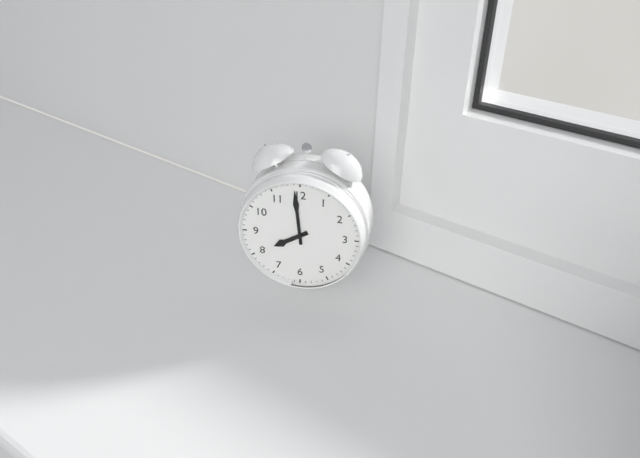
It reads 7,59
